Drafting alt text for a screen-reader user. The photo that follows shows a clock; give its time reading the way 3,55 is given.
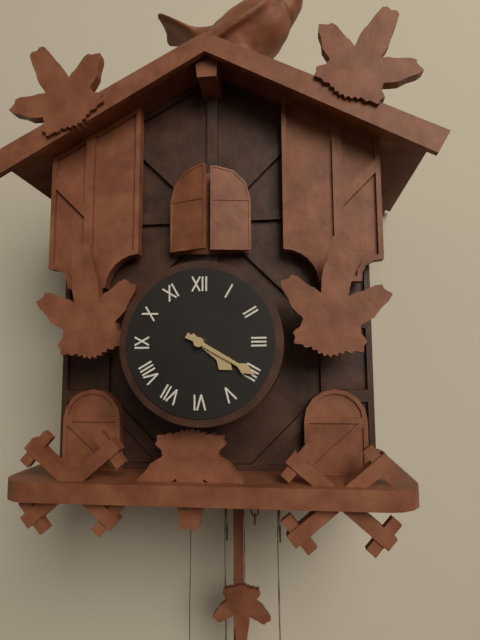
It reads 4,20
